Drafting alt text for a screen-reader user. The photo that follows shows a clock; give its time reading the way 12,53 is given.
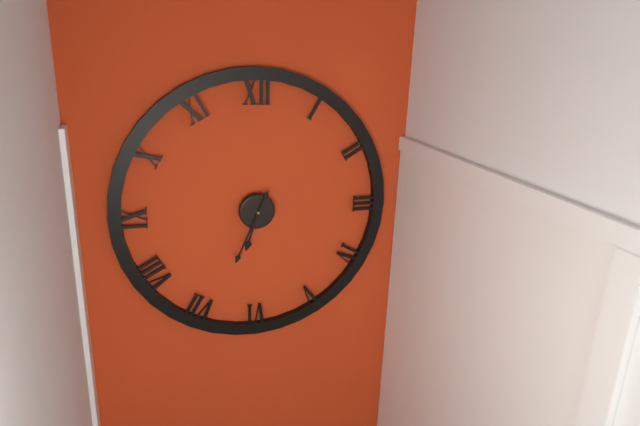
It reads 6,34
